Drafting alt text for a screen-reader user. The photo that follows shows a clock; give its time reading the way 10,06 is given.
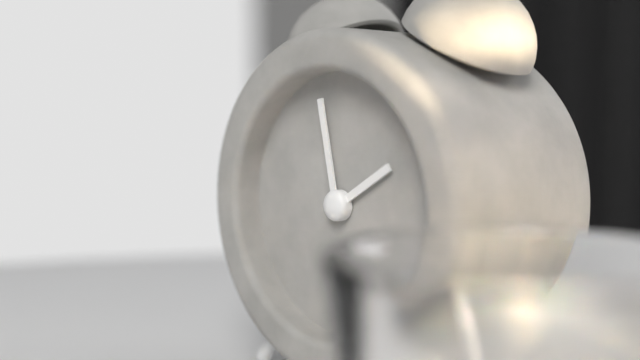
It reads 1,58
